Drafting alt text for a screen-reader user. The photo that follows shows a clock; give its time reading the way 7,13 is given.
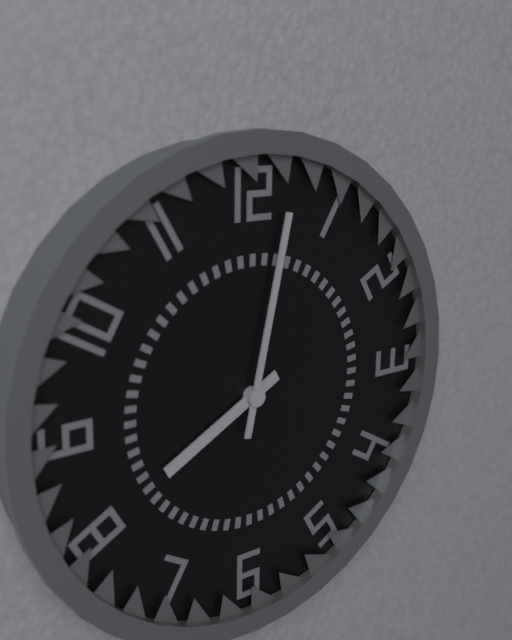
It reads 8,02
